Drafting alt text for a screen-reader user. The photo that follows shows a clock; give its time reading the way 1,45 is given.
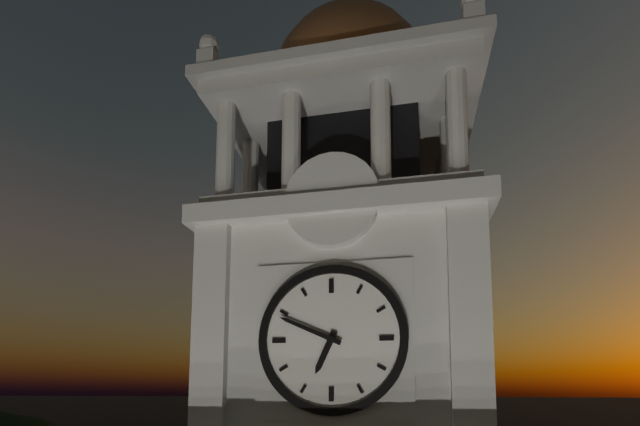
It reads 6,49
